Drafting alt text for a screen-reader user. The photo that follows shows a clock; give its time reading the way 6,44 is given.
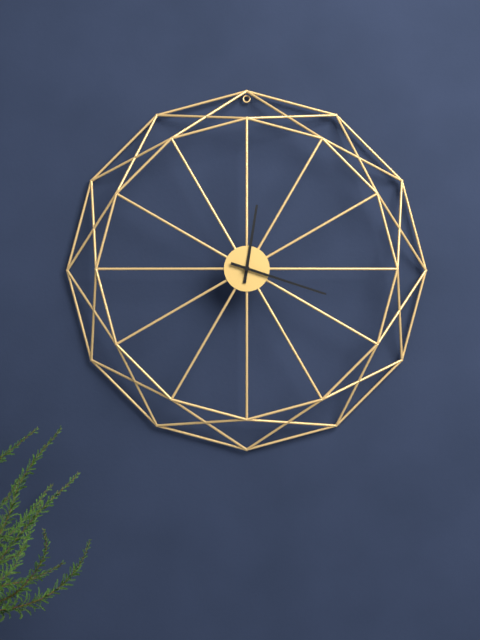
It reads 12,18
